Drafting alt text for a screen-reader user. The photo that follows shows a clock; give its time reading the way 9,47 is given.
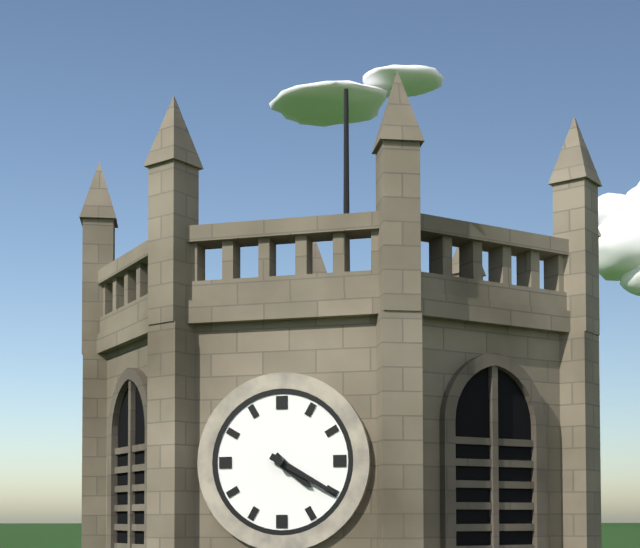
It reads 4,20
